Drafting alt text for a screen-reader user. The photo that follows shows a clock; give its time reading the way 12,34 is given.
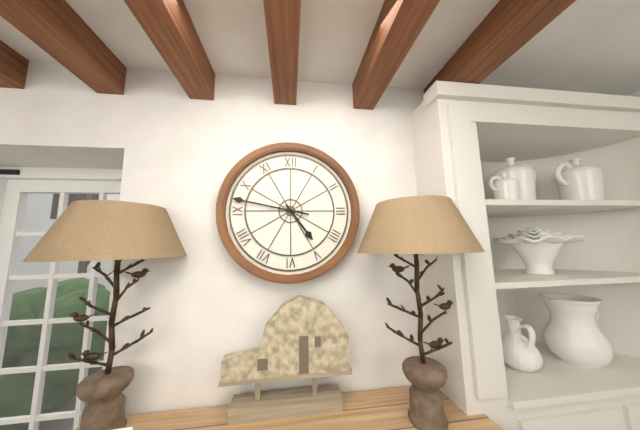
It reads 4,47
